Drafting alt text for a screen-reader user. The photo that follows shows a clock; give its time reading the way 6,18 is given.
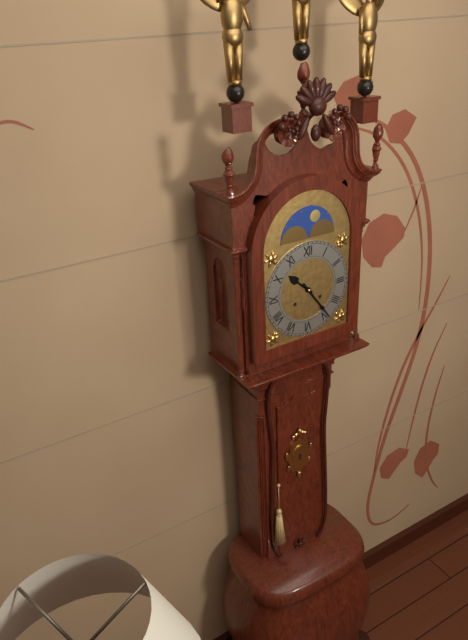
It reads 10,24
